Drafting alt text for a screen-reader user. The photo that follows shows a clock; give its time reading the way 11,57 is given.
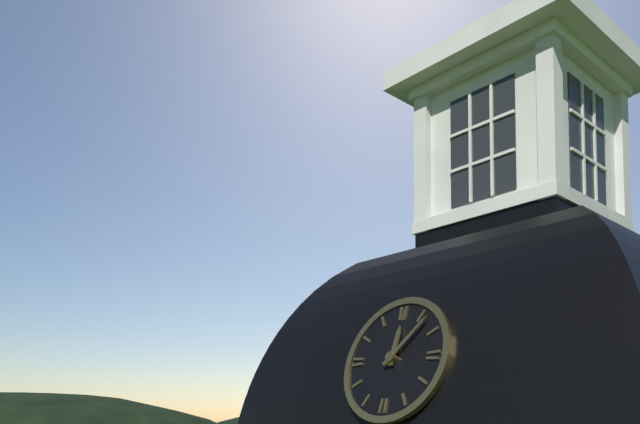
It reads 12,07
